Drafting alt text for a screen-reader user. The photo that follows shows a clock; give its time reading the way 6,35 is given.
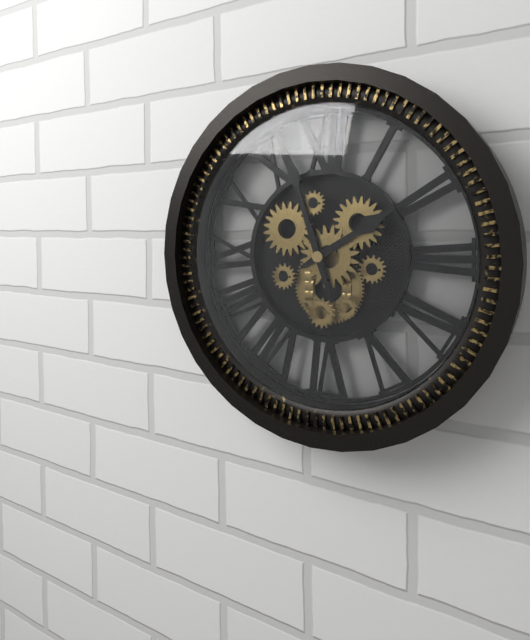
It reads 1,57
